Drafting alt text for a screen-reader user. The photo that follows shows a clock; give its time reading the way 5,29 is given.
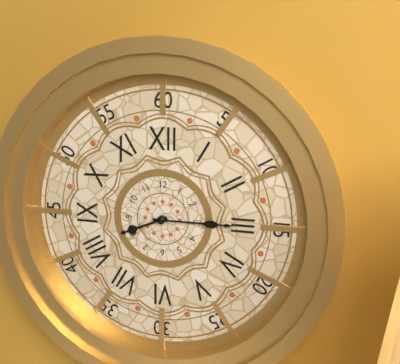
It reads 8,15
